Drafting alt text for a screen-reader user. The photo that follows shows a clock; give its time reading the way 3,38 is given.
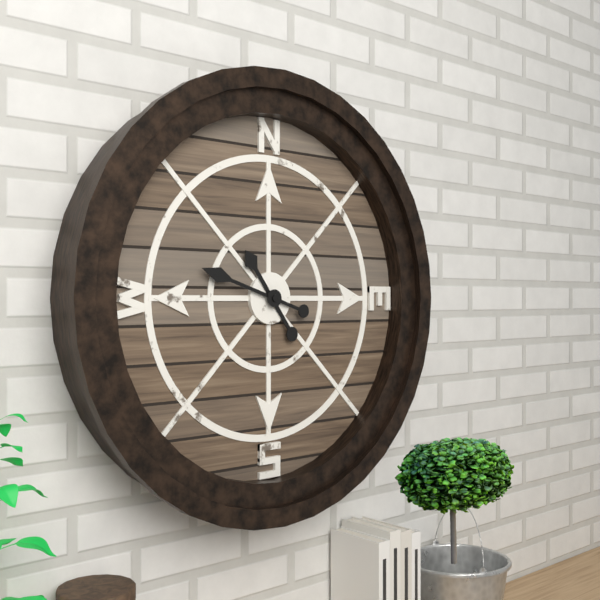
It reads 10,48
